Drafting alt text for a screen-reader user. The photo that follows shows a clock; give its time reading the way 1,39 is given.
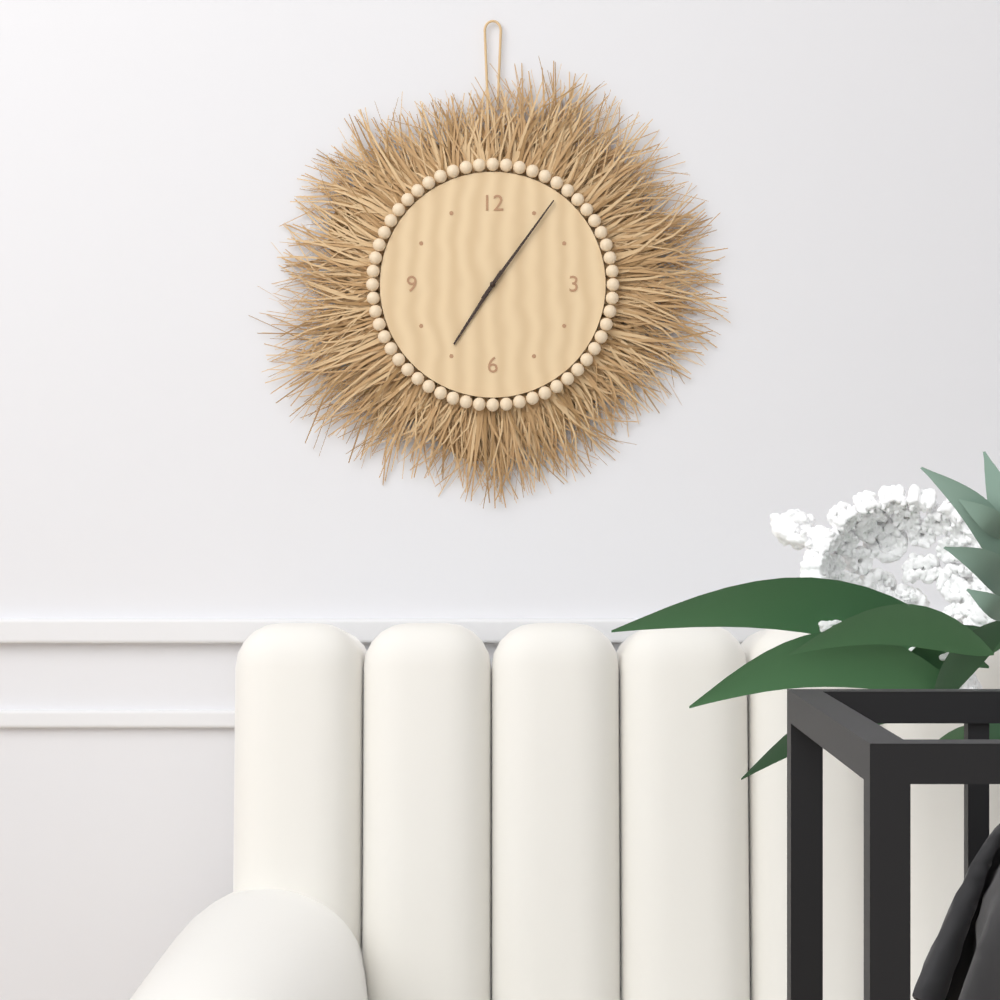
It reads 7,06
